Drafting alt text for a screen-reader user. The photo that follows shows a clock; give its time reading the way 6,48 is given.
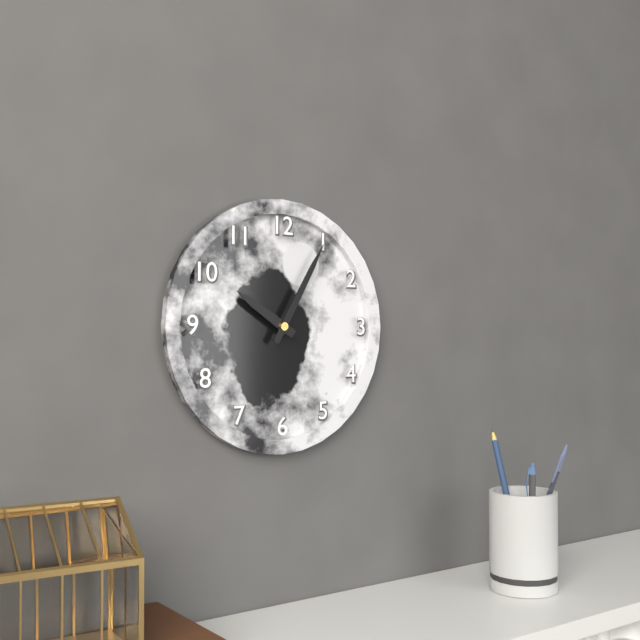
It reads 10,05
